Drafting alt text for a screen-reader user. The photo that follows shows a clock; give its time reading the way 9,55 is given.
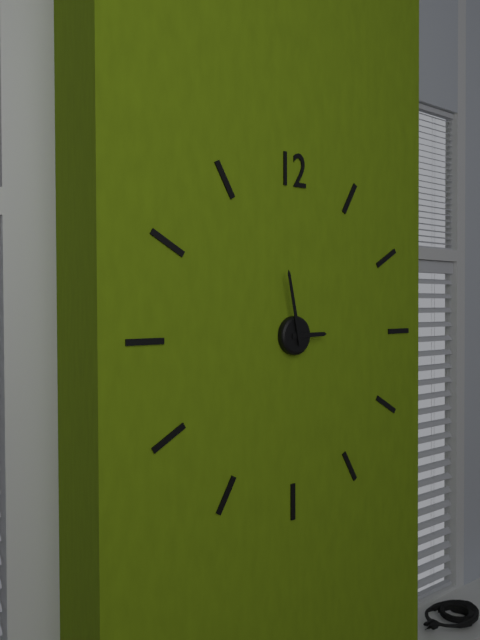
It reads 2,58
